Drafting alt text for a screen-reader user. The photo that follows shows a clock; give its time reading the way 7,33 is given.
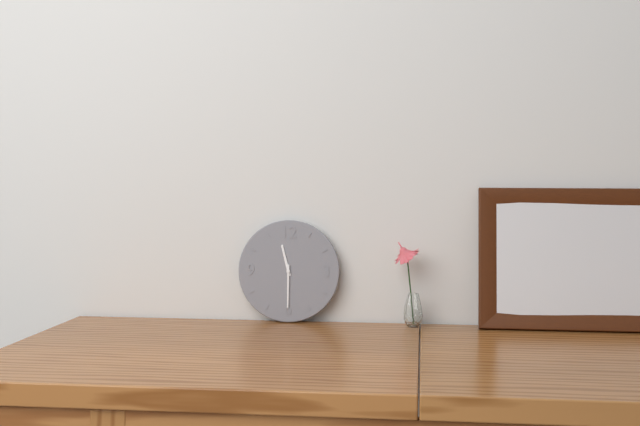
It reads 11,30
